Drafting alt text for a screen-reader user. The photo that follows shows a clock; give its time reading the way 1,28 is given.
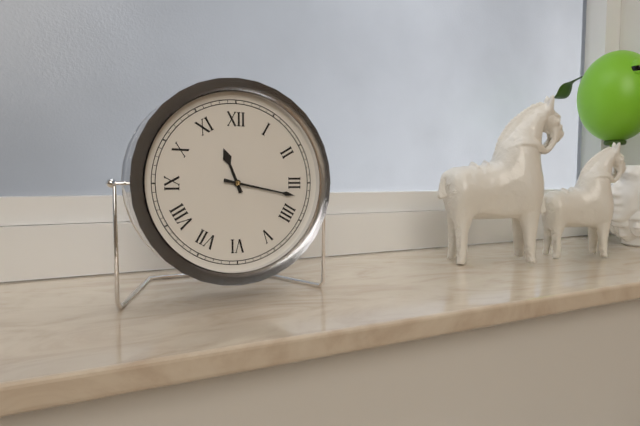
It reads 11,17
